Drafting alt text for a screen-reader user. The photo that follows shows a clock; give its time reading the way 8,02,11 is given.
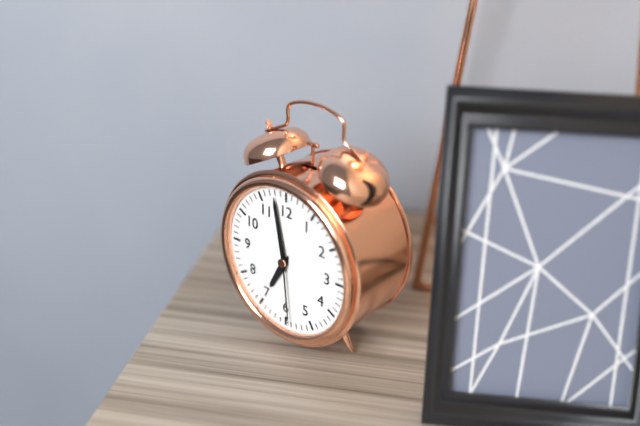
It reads 6,58,29
